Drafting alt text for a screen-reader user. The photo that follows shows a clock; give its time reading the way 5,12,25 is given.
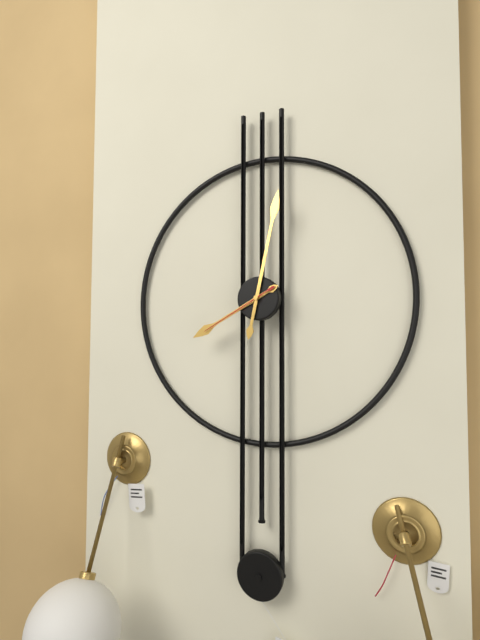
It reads 8,02,40
